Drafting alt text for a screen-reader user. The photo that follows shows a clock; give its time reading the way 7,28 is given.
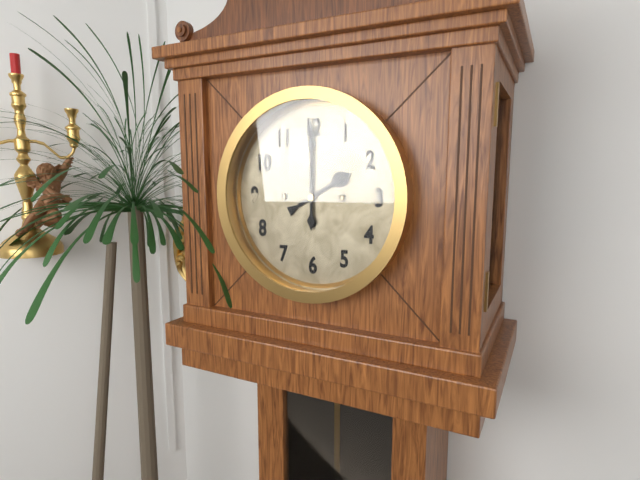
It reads 2,00
